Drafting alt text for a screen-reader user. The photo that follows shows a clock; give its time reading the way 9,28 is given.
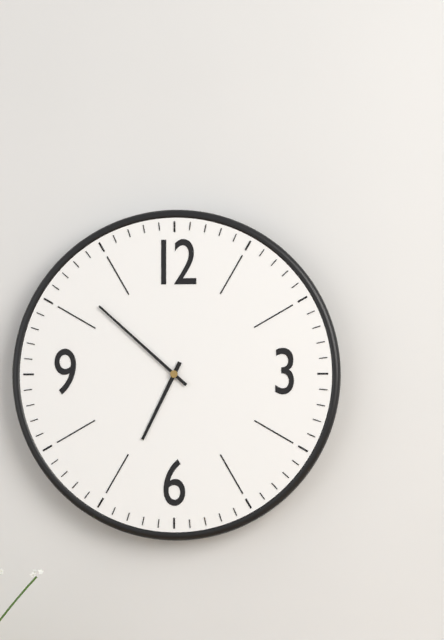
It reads 6,52
